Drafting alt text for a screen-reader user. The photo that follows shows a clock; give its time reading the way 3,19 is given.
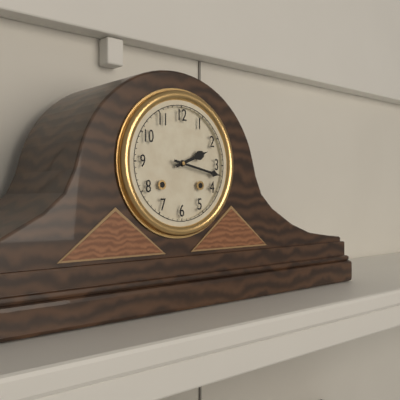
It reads 2,17
